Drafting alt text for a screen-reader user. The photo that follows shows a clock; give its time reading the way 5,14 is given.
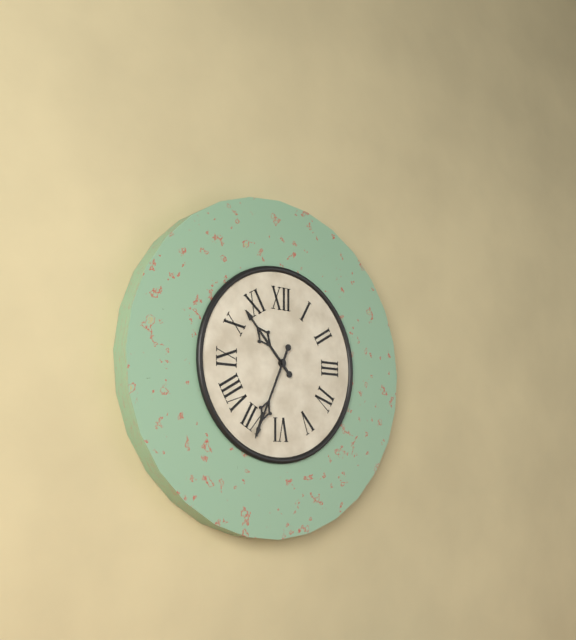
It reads 10,34
